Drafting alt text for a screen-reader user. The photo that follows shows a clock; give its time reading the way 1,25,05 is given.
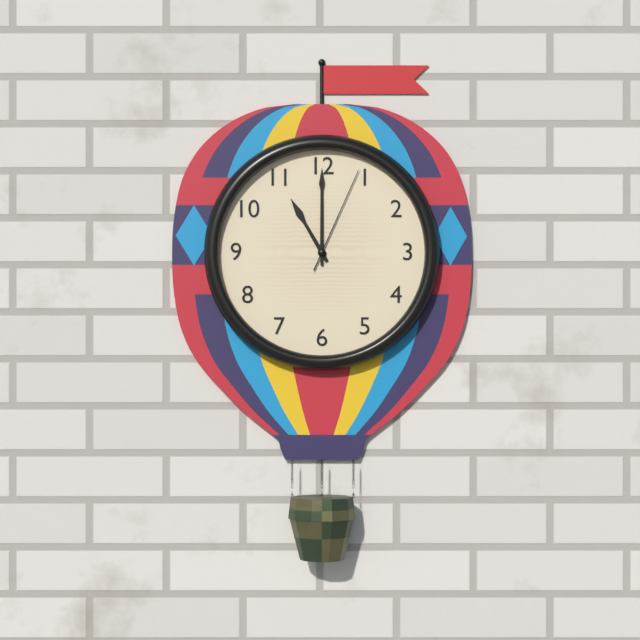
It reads 11,00,04
